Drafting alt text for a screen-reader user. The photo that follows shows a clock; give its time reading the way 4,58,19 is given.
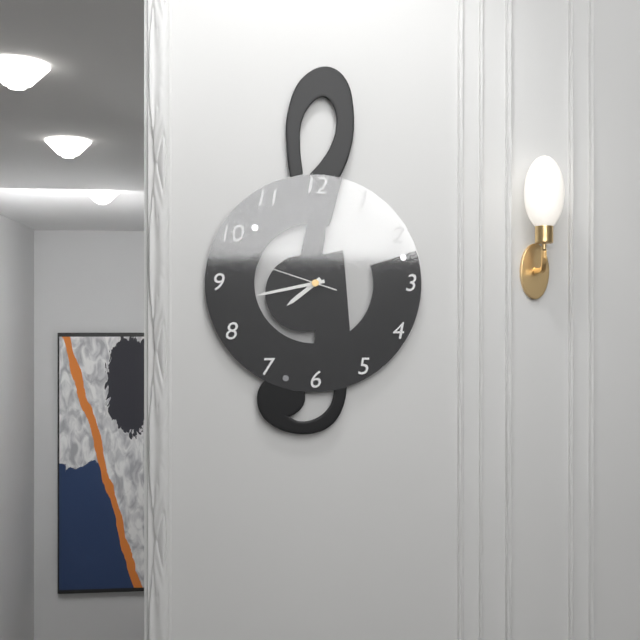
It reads 7,43,48
